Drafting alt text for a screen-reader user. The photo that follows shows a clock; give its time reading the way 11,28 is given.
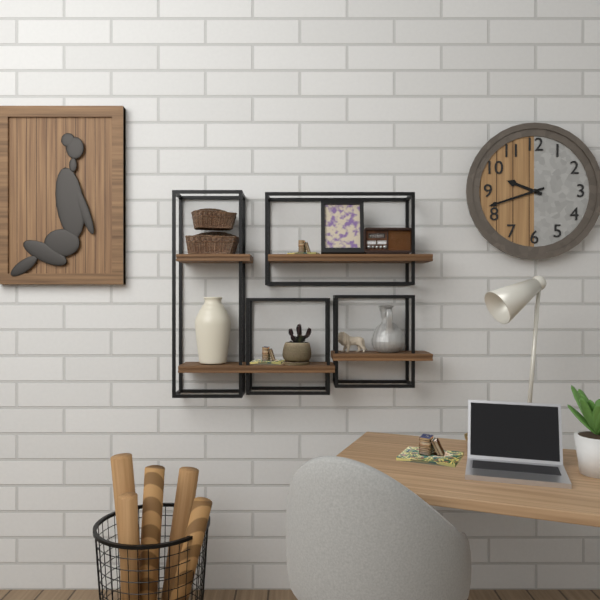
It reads 9,42
